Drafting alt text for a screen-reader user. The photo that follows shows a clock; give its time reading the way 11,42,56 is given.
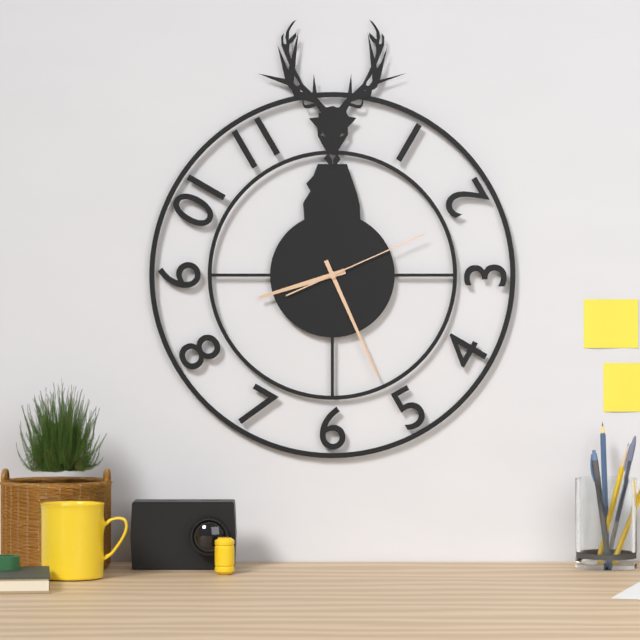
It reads 8,26,11
